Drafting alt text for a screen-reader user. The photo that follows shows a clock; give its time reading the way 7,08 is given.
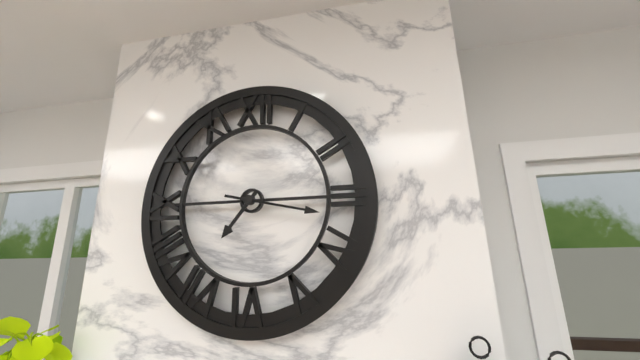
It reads 7,17
